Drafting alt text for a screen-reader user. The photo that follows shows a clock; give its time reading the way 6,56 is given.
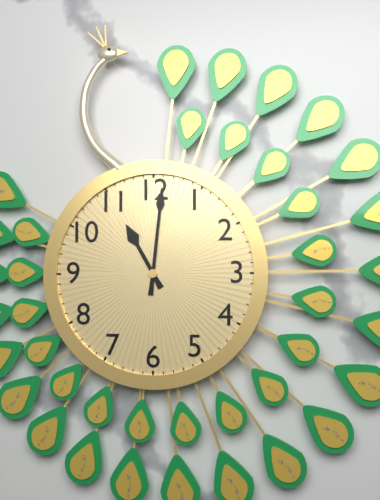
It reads 11,01
